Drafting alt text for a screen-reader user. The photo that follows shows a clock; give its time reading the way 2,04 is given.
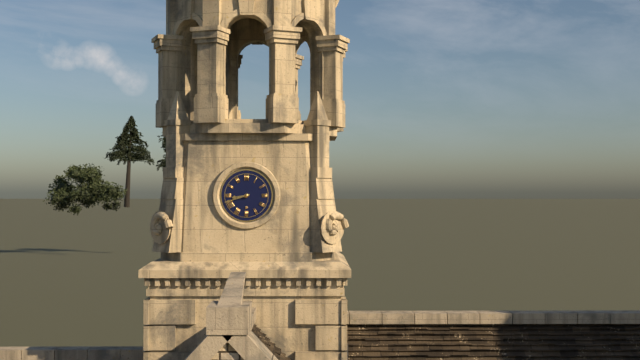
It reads 8,42
